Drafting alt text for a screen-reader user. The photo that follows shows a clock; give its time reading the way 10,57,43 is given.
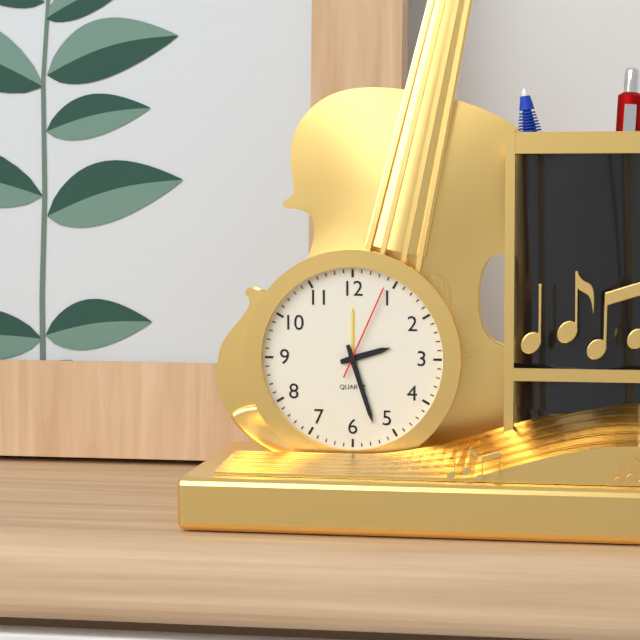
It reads 2,27,04
